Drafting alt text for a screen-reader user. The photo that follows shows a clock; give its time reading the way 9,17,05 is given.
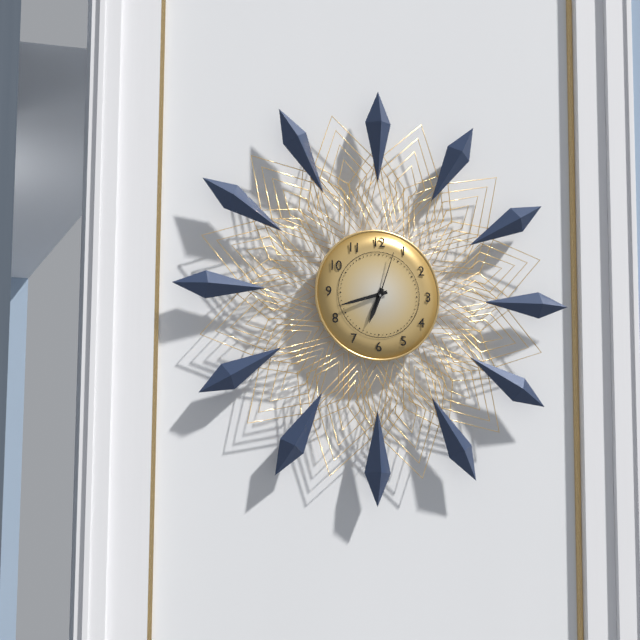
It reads 6,42,03
